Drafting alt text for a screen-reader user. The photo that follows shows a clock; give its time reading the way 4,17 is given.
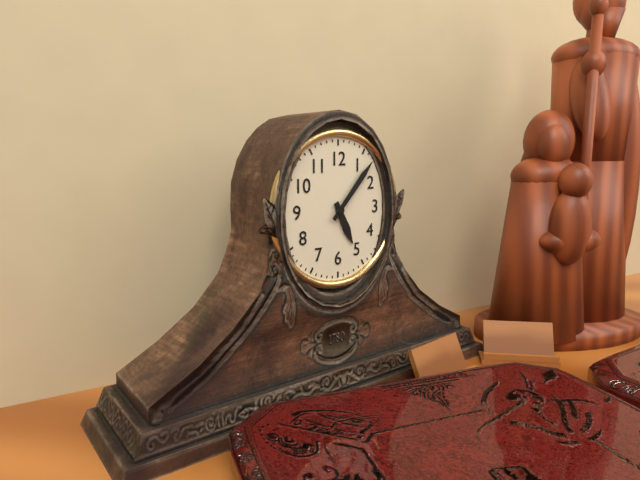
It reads 5,07
